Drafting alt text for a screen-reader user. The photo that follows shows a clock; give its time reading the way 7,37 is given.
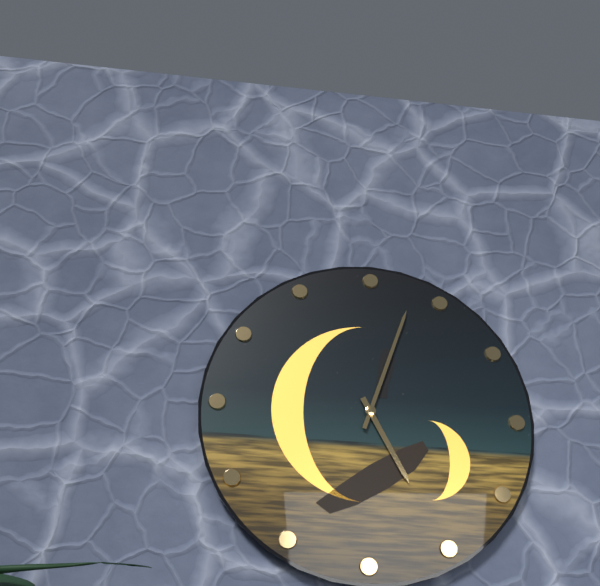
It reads 5,03
